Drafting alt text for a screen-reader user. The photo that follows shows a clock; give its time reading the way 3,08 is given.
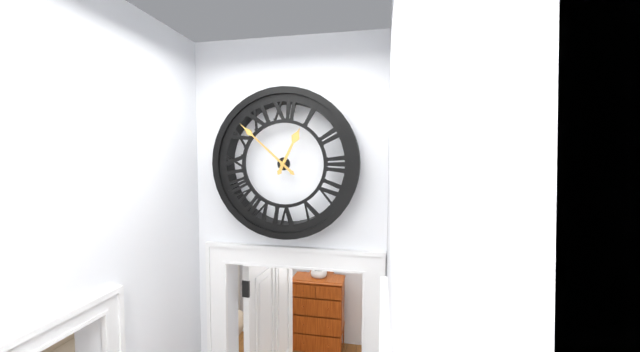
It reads 12,52
